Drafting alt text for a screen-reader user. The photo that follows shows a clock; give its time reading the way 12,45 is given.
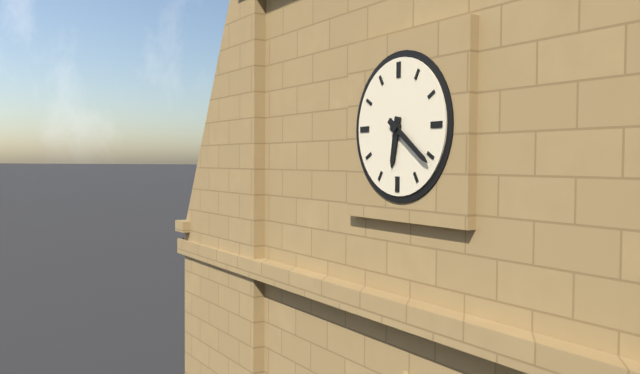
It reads 6,21
